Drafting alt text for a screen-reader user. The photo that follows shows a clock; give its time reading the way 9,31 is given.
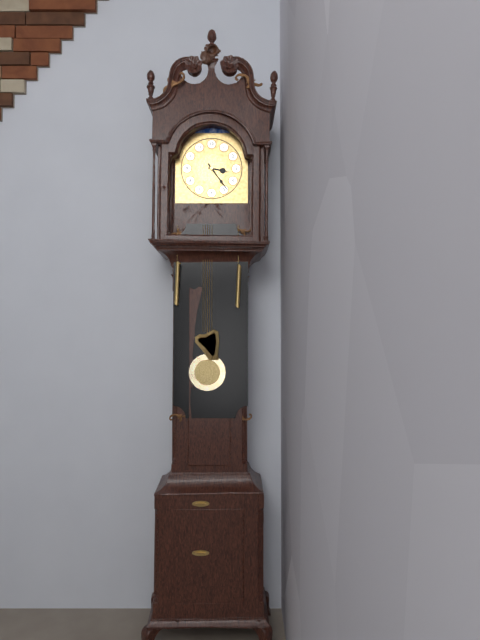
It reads 3,24
